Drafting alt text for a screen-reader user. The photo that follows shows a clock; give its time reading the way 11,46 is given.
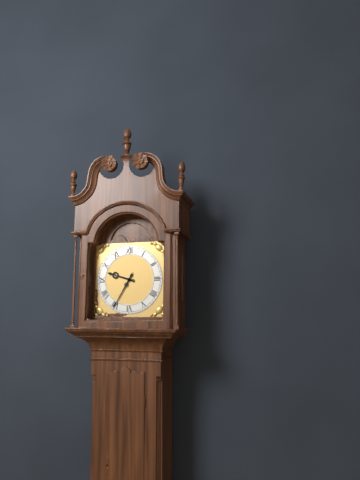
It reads 9,35
